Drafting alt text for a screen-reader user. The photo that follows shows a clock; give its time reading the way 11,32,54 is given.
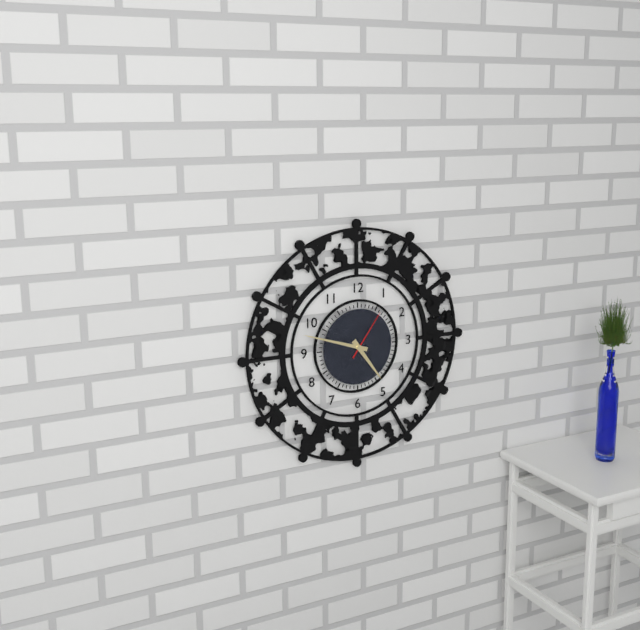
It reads 4,48,06
